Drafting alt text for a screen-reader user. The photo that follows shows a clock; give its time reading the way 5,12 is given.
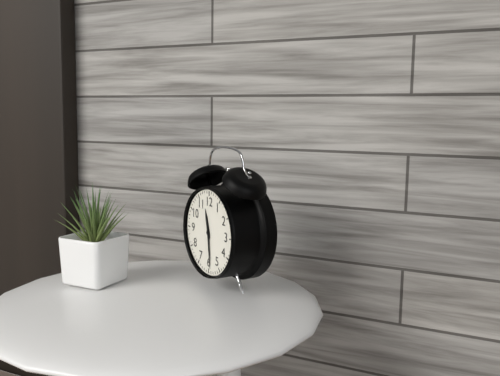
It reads 11,29
